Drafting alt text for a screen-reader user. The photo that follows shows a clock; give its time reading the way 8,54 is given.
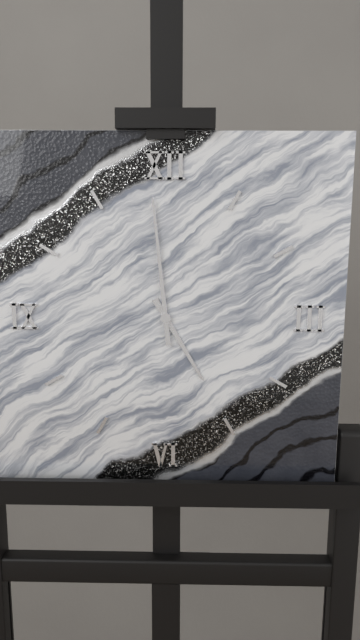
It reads 4,59
